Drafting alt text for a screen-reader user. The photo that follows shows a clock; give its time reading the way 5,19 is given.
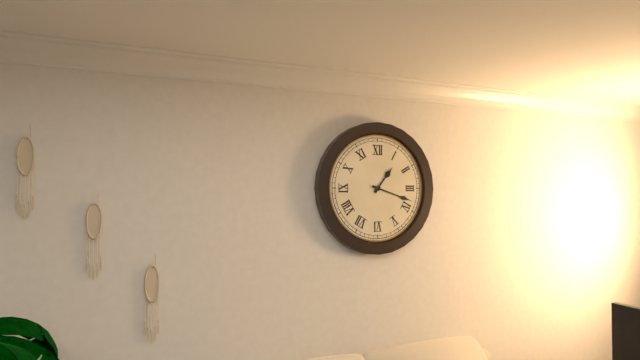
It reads 1,18
